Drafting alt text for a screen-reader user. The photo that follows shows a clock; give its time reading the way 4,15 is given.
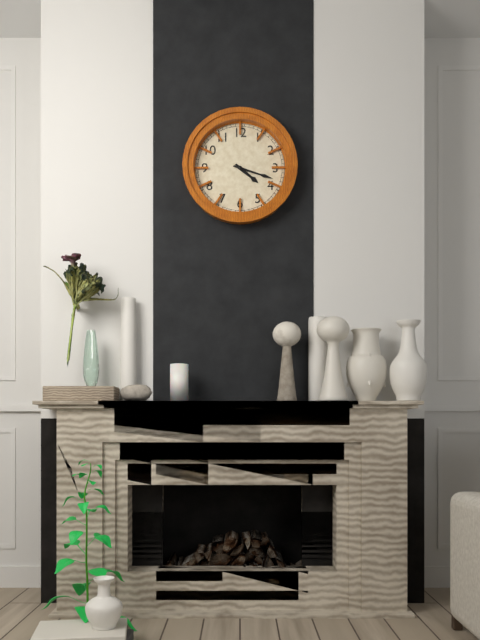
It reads 4,18
